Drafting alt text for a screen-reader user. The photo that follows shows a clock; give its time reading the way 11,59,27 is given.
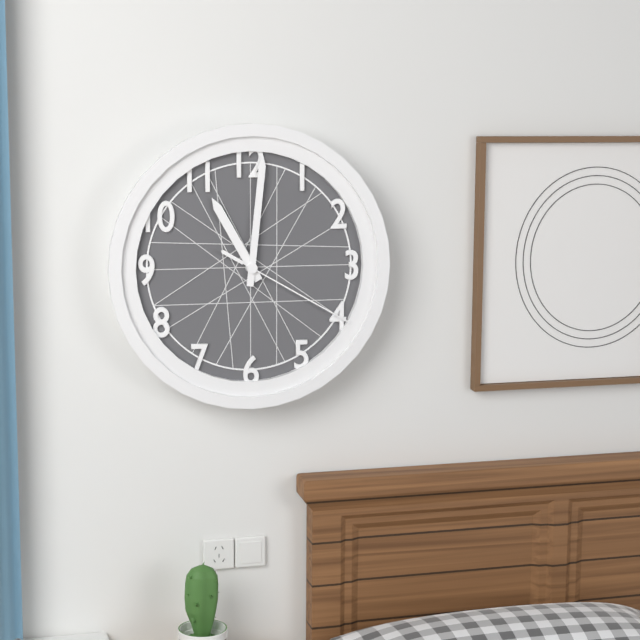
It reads 11,01,20
